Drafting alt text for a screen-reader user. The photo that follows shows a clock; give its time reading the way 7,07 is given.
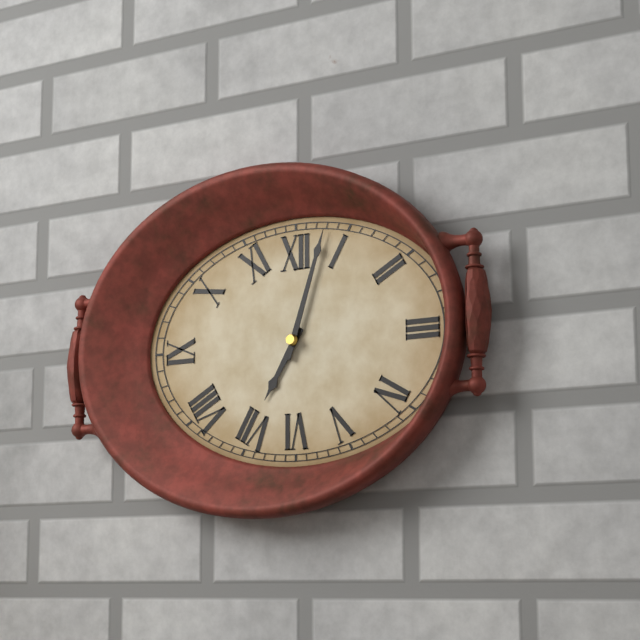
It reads 7,03
